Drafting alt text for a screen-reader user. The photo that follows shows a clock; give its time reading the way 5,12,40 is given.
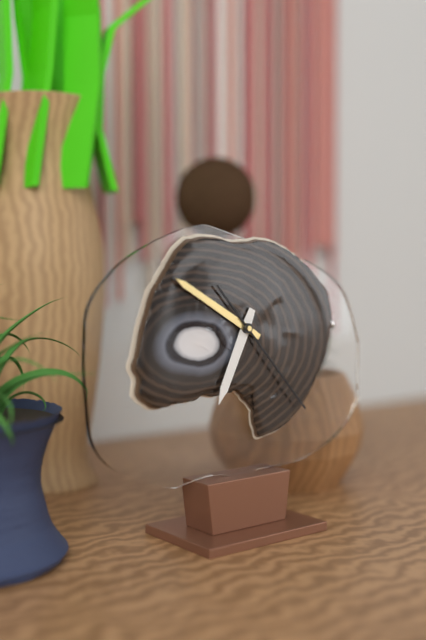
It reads 6,50,23
